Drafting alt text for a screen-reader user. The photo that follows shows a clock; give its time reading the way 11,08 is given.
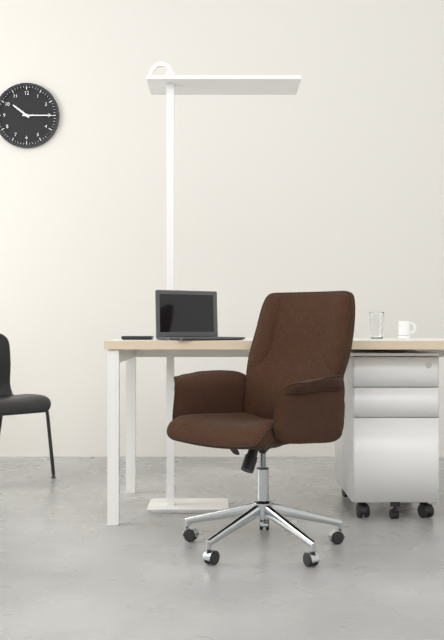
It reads 10,15
